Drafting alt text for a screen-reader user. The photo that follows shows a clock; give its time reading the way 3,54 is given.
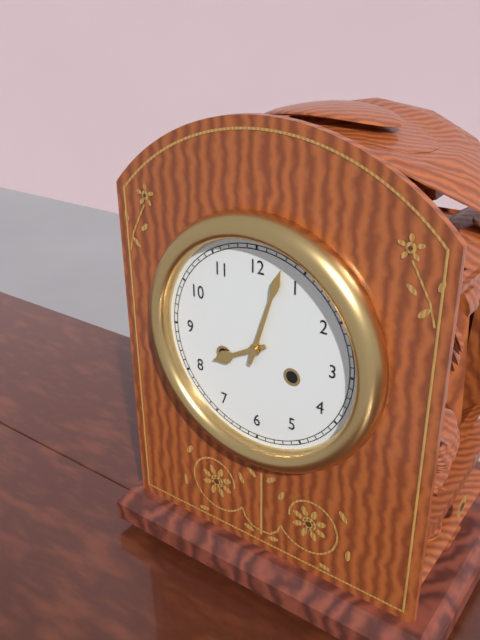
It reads 8,03
